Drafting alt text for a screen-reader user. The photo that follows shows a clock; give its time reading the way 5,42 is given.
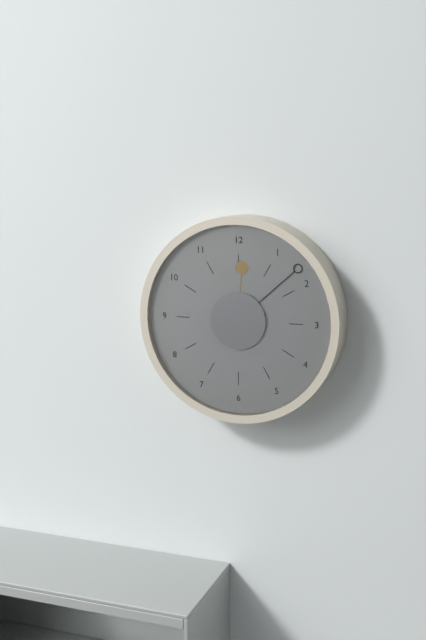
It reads 12,08
